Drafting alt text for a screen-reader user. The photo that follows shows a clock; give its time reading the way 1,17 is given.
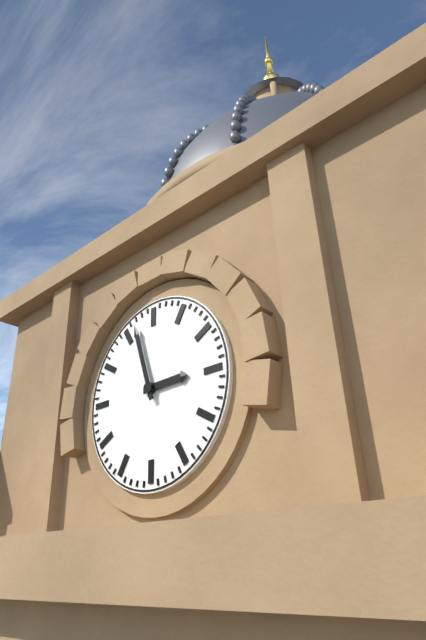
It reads 2,57
